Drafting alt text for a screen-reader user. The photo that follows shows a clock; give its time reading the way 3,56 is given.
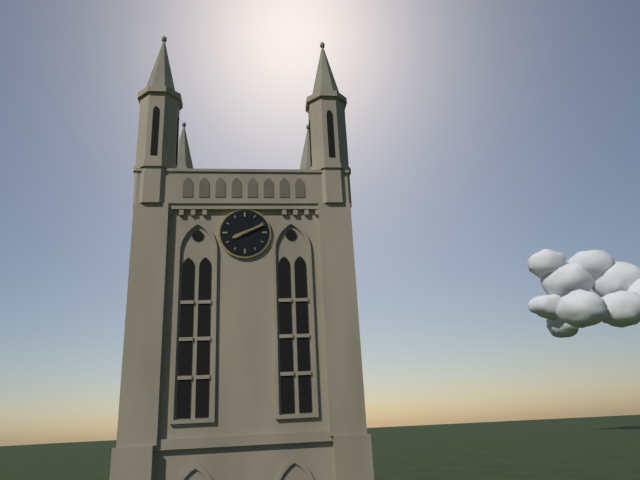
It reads 8,11
